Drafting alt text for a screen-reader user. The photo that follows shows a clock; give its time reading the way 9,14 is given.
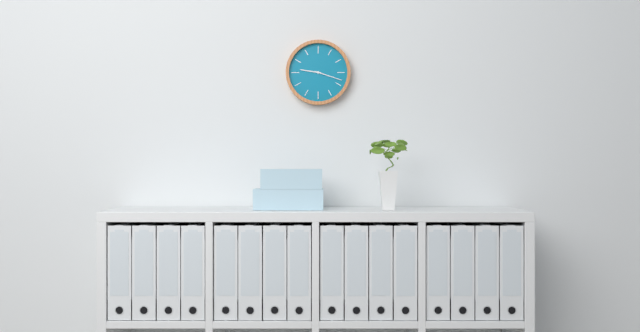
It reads 9,18
